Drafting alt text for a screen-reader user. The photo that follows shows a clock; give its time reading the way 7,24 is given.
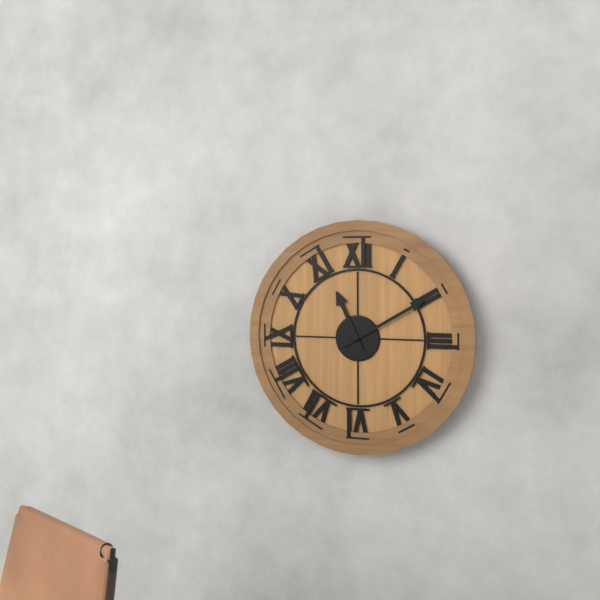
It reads 11,10
